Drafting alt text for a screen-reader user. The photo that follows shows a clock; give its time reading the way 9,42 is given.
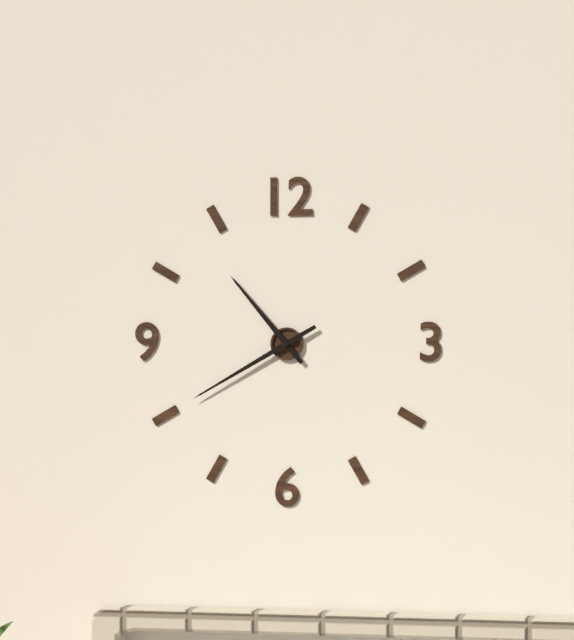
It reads 10,40
